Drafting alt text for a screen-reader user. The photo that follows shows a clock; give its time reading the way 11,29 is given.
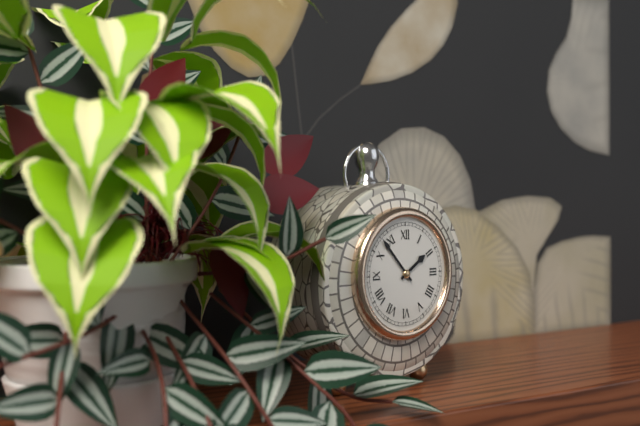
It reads 1,53
